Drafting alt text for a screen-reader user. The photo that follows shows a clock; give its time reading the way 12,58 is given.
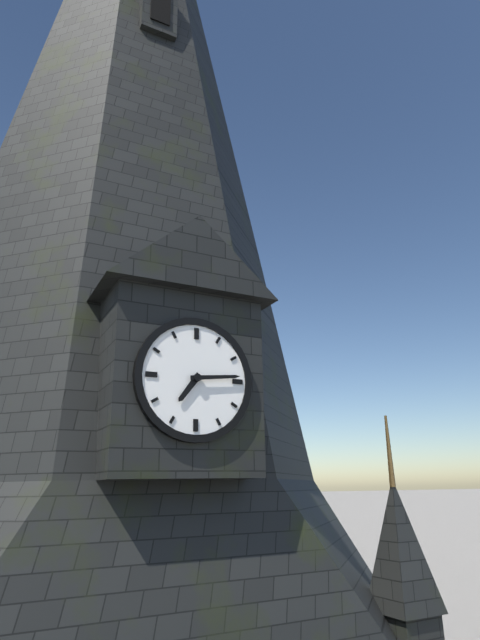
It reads 7,14
